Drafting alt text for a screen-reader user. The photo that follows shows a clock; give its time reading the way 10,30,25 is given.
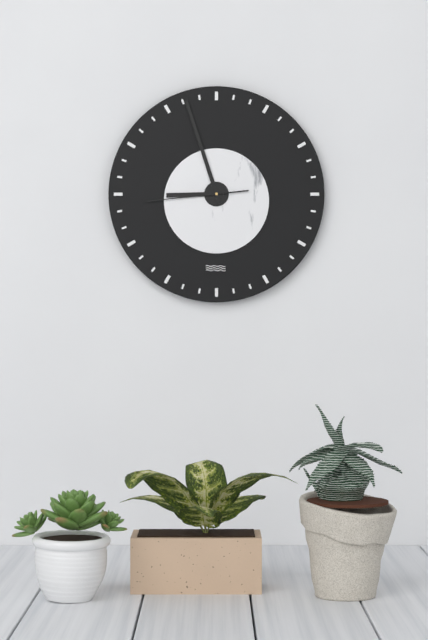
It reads 8,57,44
